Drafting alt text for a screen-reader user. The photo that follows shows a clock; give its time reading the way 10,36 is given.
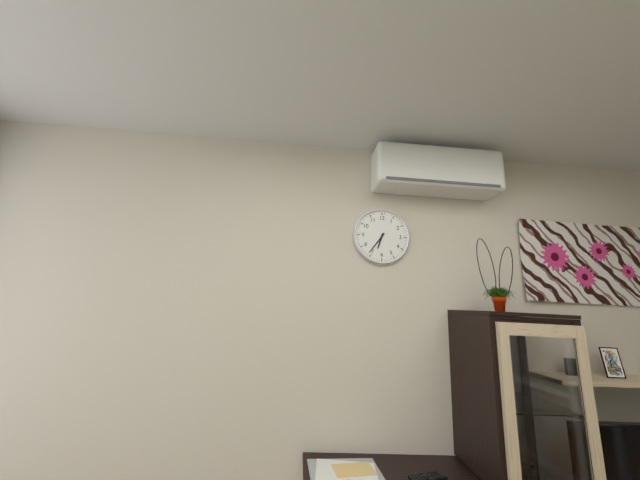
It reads 6,36
